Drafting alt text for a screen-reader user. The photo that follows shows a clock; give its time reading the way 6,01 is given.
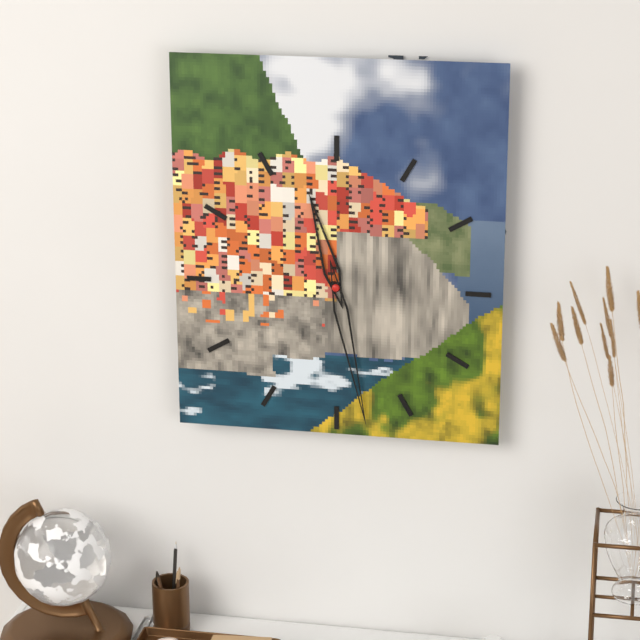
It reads 11,28
